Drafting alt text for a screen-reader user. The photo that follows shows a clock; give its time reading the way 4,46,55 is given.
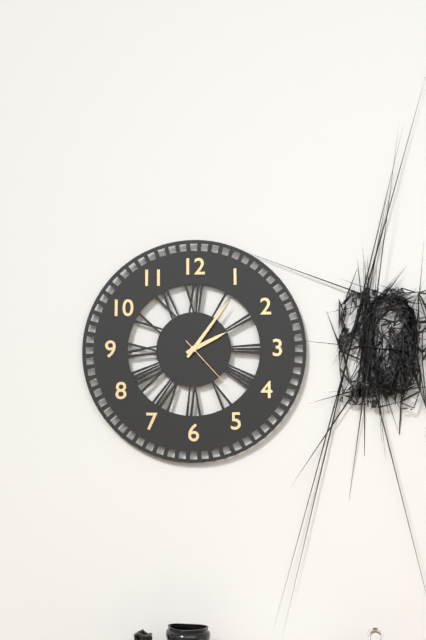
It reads 2,06,23
